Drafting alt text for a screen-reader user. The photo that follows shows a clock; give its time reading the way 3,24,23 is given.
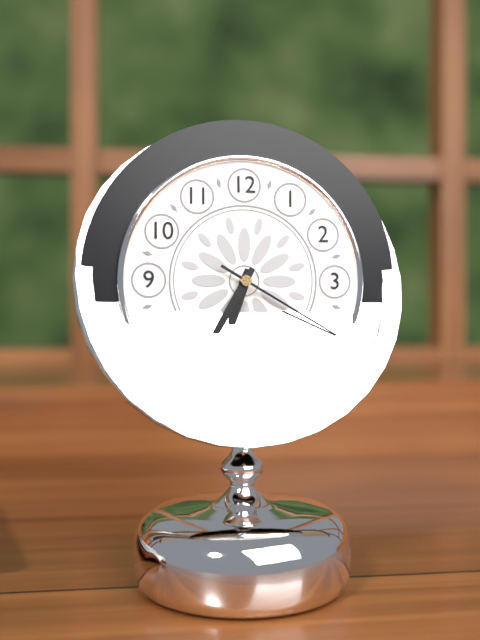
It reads 6,35,20
